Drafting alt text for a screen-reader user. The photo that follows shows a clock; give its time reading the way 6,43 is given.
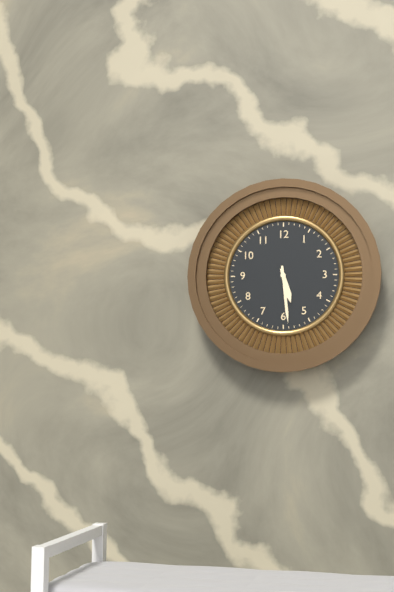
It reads 5,29
